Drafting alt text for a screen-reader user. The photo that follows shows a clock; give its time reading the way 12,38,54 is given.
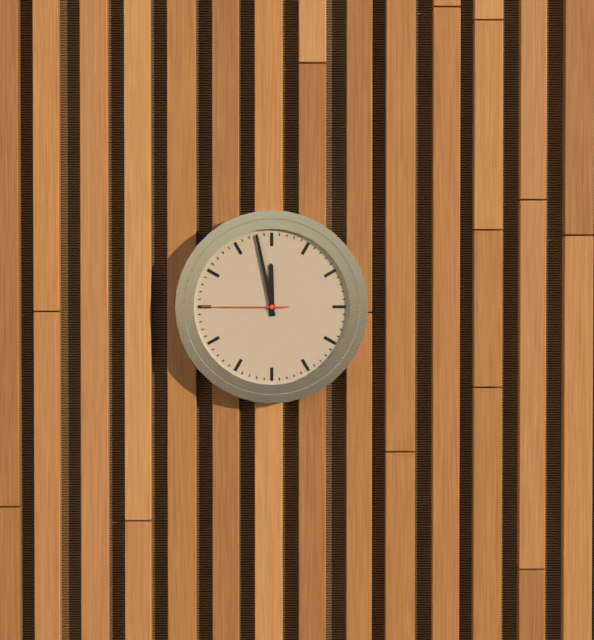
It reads 11,58,45
